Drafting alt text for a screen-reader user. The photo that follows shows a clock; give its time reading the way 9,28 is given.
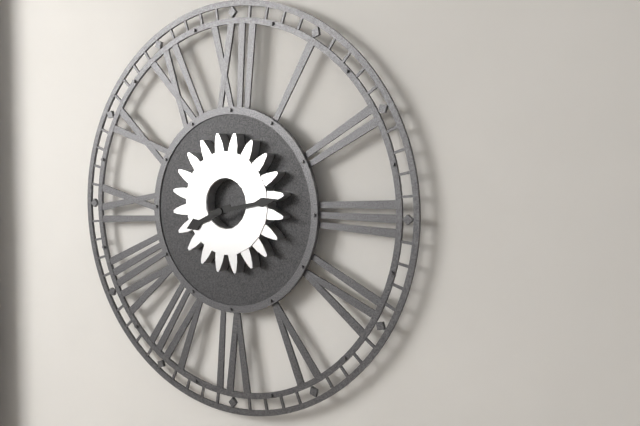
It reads 8,13
